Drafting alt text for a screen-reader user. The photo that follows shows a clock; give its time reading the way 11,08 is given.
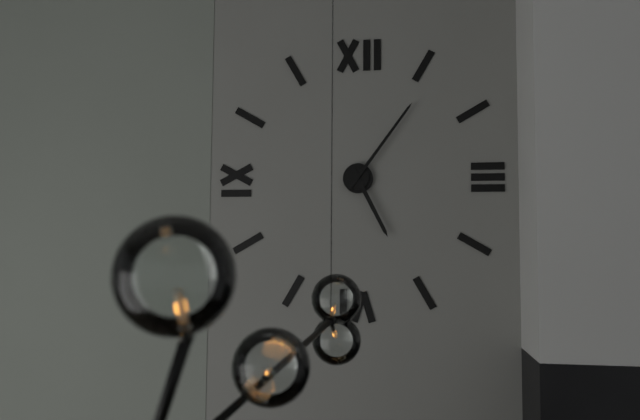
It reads 5,06
